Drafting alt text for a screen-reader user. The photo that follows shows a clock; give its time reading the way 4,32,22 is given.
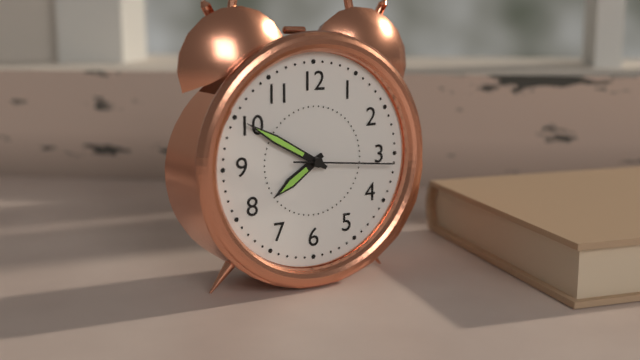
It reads 7,50,16
